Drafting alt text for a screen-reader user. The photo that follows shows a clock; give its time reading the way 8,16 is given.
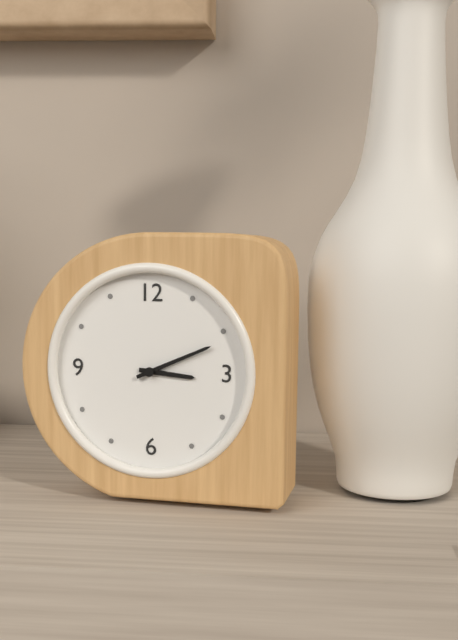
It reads 3,11
